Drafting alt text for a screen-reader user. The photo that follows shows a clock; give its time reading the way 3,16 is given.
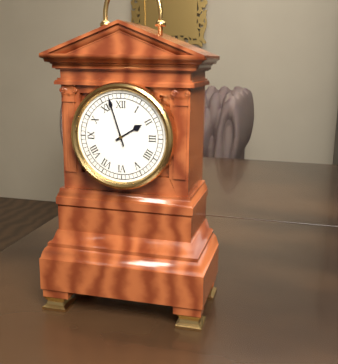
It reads 1,57
